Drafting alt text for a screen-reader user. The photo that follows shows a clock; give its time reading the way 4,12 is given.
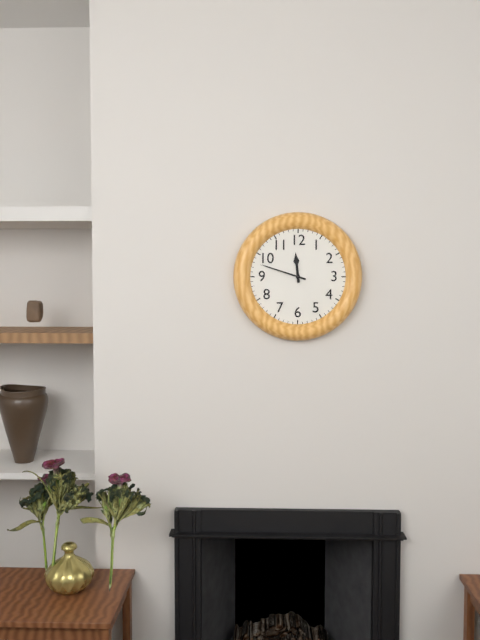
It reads 11,48
